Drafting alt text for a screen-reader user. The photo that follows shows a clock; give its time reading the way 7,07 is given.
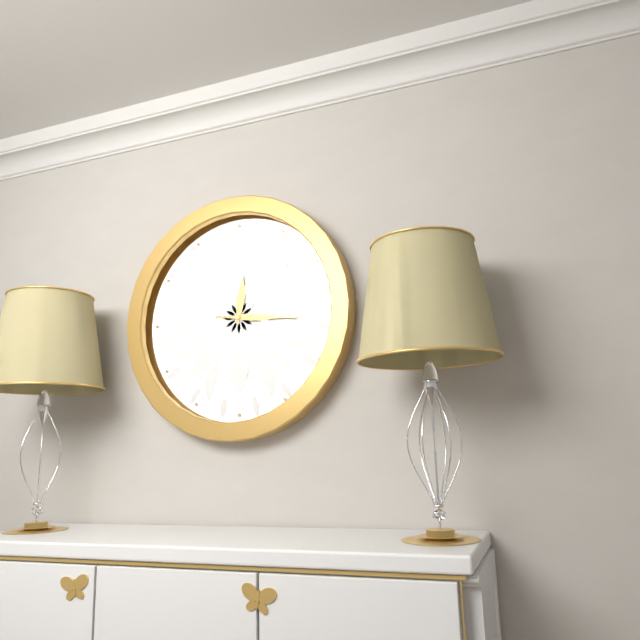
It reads 12,16
